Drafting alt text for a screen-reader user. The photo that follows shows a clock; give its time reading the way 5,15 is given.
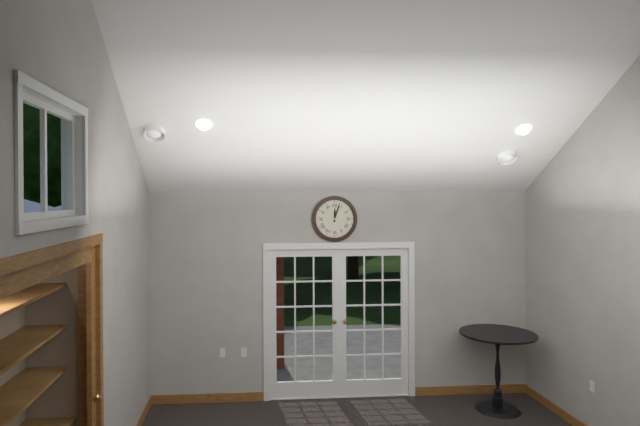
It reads 12,03
